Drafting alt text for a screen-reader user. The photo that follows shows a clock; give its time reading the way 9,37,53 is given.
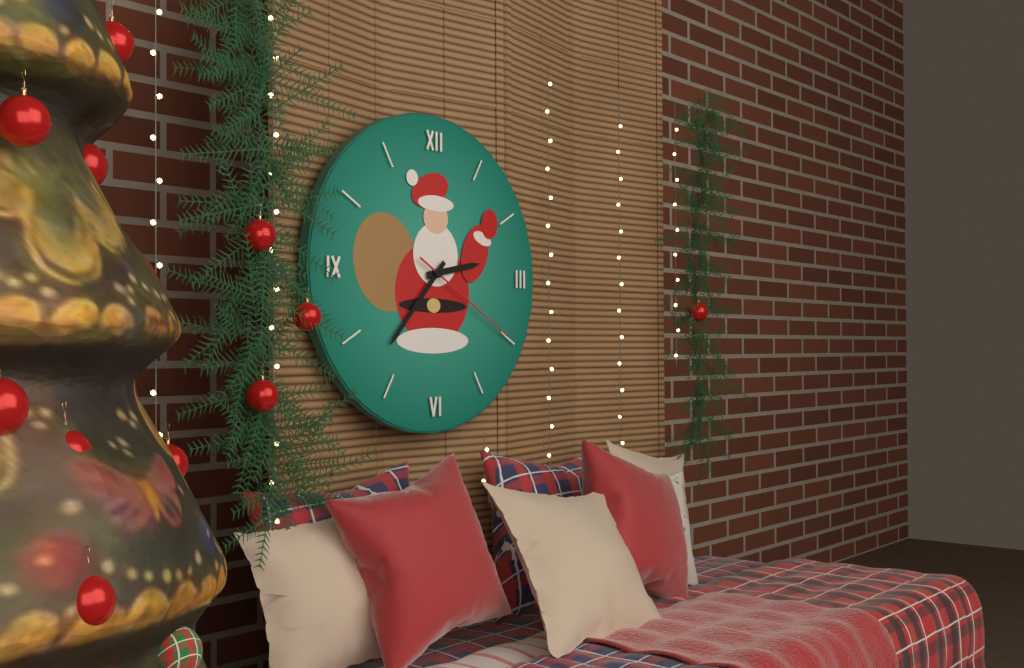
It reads 2,37,20
